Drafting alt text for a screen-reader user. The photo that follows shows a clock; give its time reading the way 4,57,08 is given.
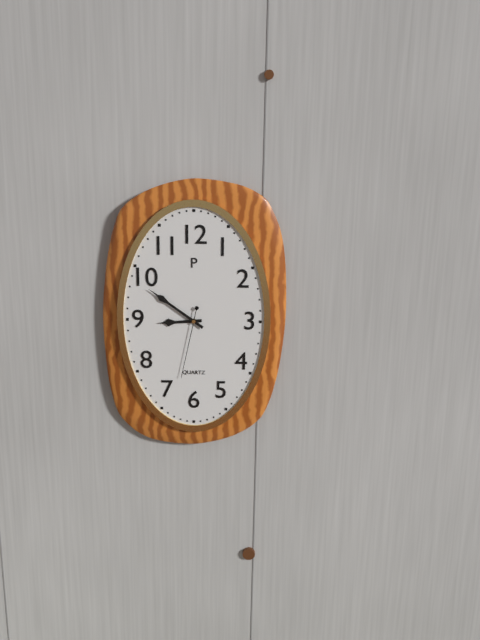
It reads 8,51,32
